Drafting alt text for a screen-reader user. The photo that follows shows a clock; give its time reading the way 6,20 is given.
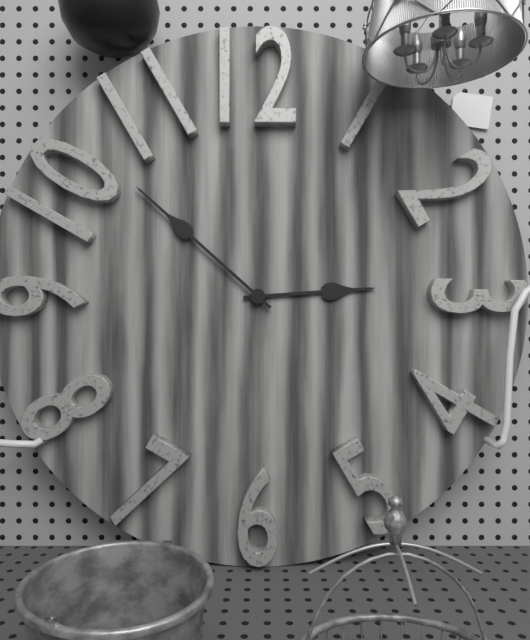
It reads 2,52
